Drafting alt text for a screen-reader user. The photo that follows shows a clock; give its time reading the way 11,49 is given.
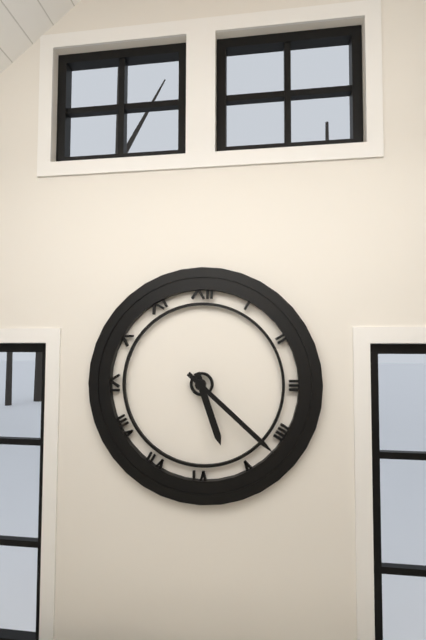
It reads 5,22
